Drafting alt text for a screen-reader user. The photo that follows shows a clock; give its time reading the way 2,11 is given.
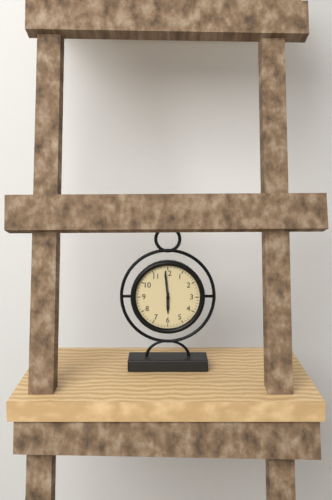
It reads 5,59
